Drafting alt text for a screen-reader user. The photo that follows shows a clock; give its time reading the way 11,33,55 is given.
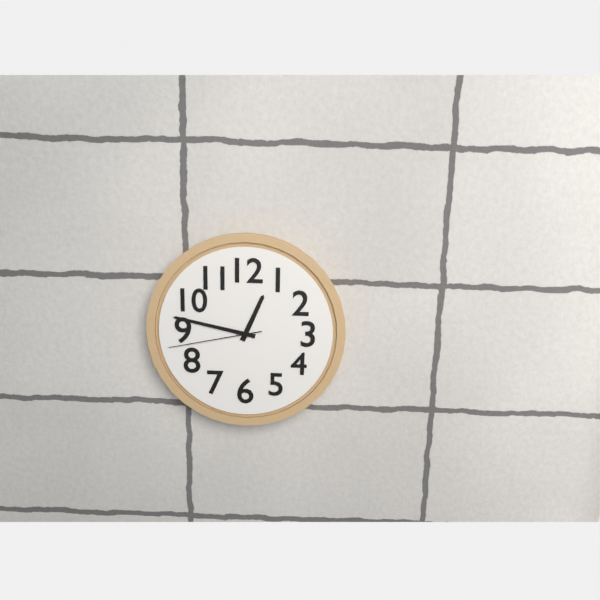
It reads 12,47,43
